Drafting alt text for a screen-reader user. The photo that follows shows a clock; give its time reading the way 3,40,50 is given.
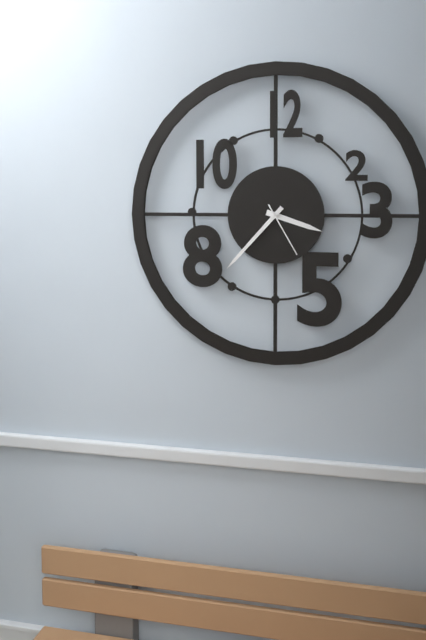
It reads 3,37,25
